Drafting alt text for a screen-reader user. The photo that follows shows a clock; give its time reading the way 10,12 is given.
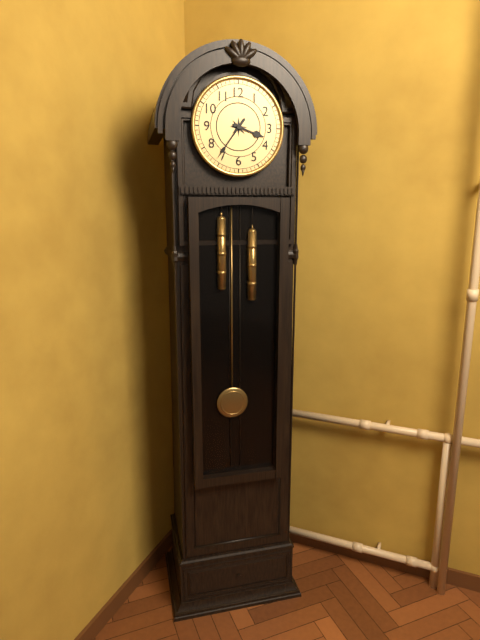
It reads 3,36
